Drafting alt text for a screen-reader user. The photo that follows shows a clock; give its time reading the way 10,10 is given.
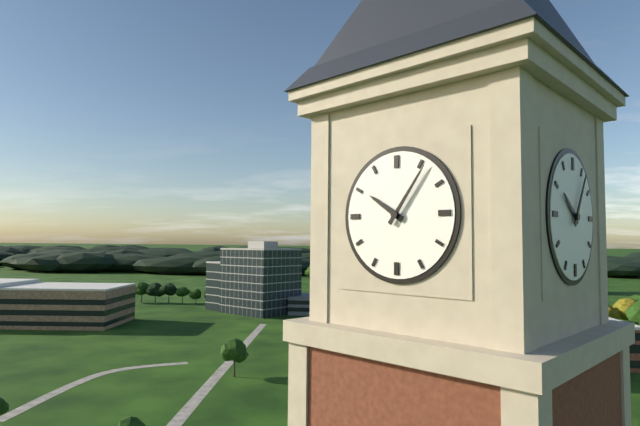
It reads 10,06
